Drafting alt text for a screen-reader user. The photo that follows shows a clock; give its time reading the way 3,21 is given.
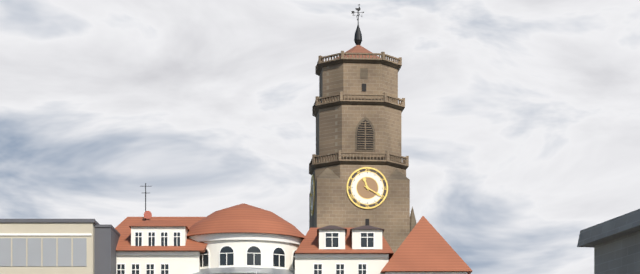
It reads 11,20
